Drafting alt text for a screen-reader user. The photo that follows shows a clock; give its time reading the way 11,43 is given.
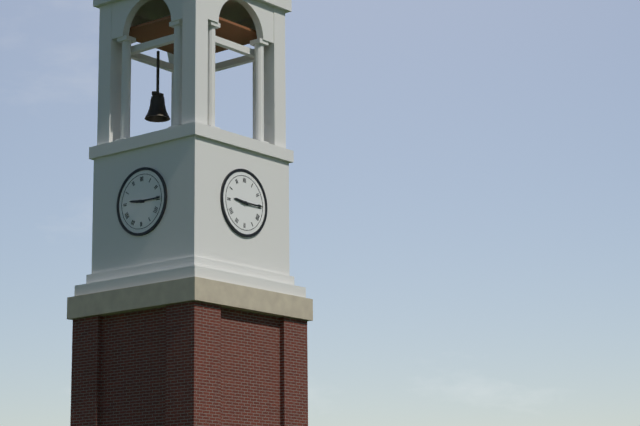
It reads 9,15
